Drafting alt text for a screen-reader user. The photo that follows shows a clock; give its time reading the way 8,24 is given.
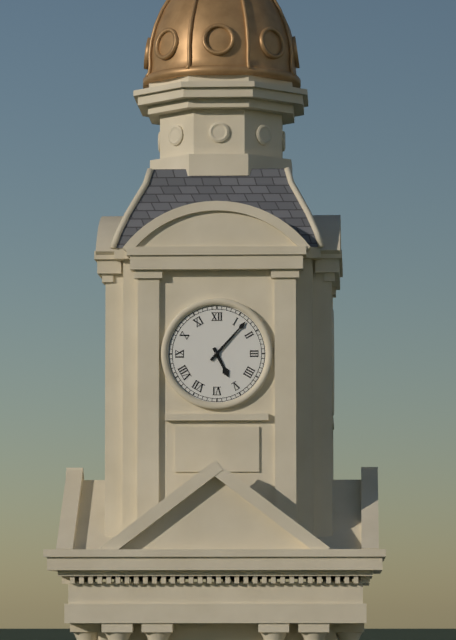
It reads 5,07
